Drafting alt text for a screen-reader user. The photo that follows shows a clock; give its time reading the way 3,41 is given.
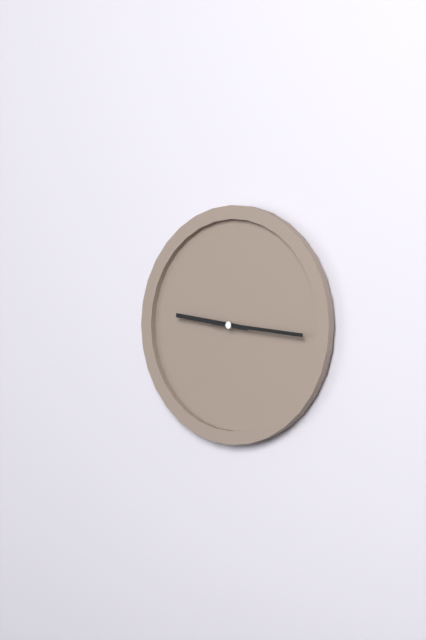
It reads 9,16
